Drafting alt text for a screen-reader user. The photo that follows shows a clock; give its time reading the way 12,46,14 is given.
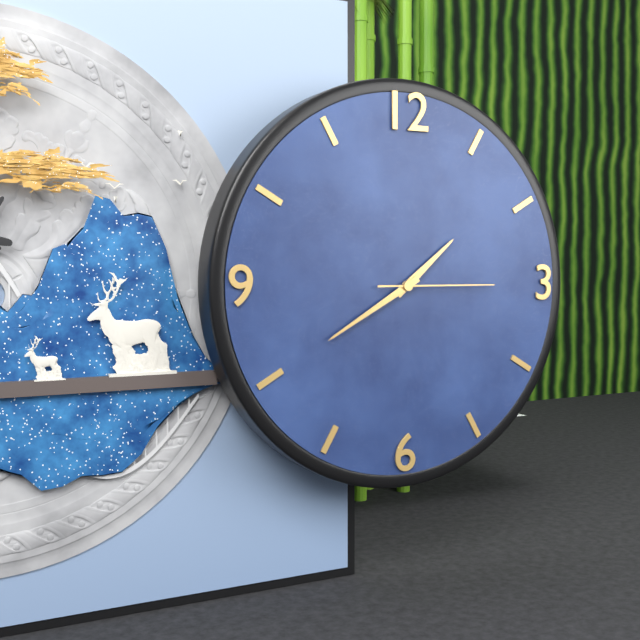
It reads 1,40,15
